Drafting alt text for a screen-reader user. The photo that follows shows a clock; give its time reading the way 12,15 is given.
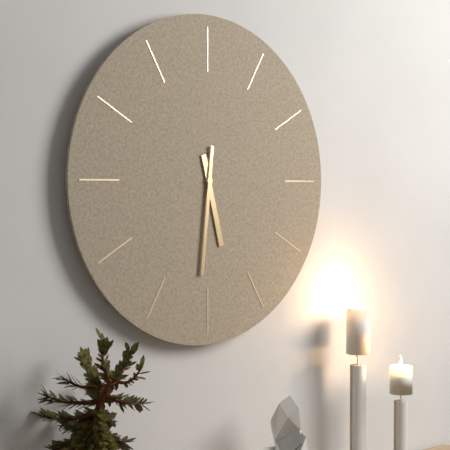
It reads 5,31
